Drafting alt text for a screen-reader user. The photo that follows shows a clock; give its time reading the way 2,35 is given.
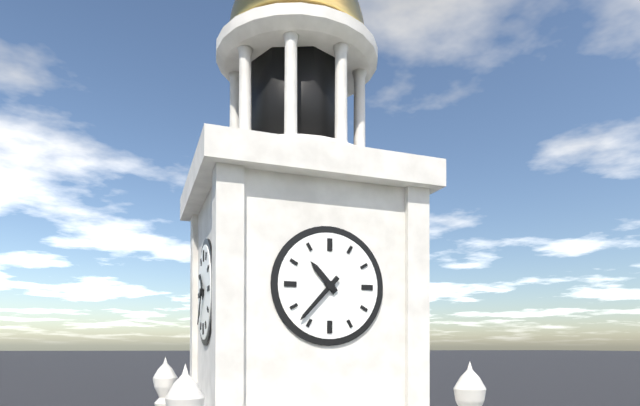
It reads 10,37
